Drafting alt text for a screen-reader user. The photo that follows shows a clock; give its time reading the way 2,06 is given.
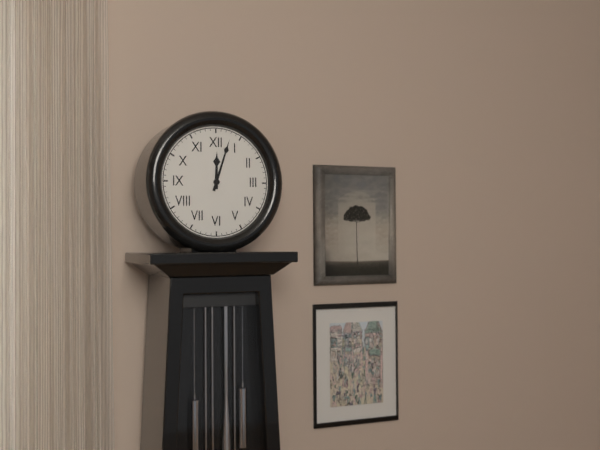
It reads 12,03
